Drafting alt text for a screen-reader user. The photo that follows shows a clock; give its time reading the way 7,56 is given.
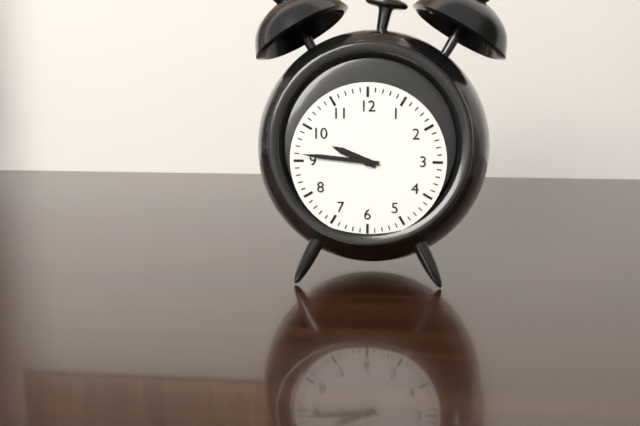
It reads 9,46
